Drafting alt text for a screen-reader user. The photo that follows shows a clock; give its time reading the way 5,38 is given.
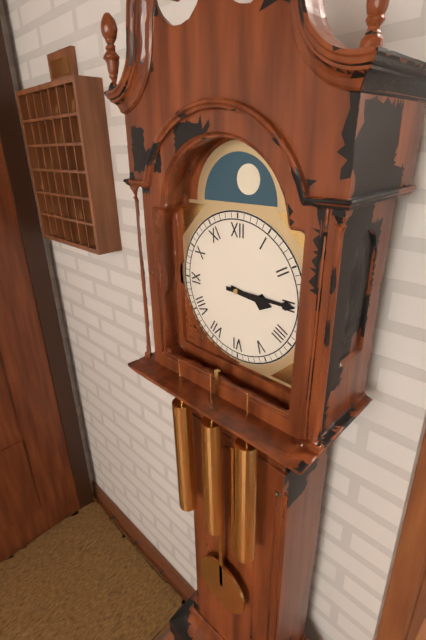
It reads 3,15
